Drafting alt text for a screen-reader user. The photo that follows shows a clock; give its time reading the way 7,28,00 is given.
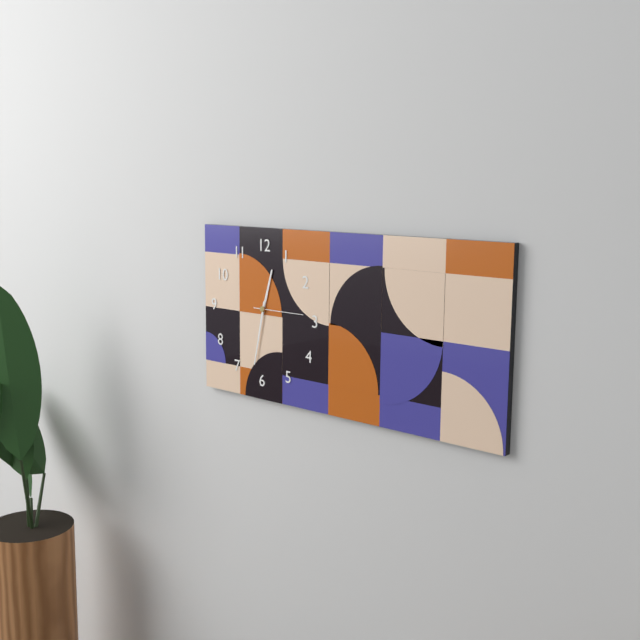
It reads 12,32,15
